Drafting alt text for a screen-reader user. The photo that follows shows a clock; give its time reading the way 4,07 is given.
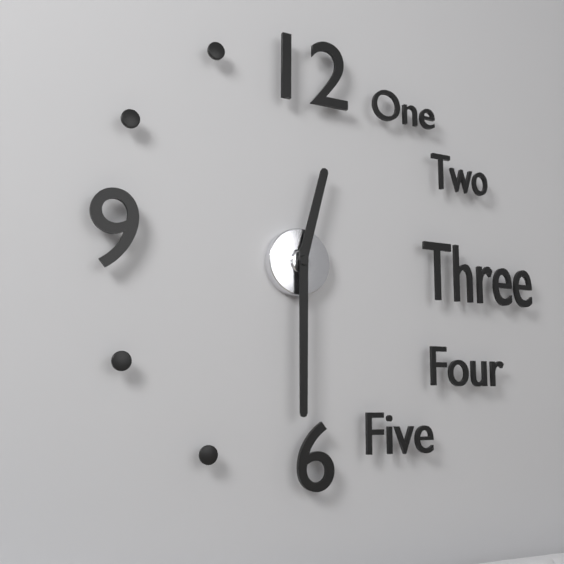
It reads 12,30
